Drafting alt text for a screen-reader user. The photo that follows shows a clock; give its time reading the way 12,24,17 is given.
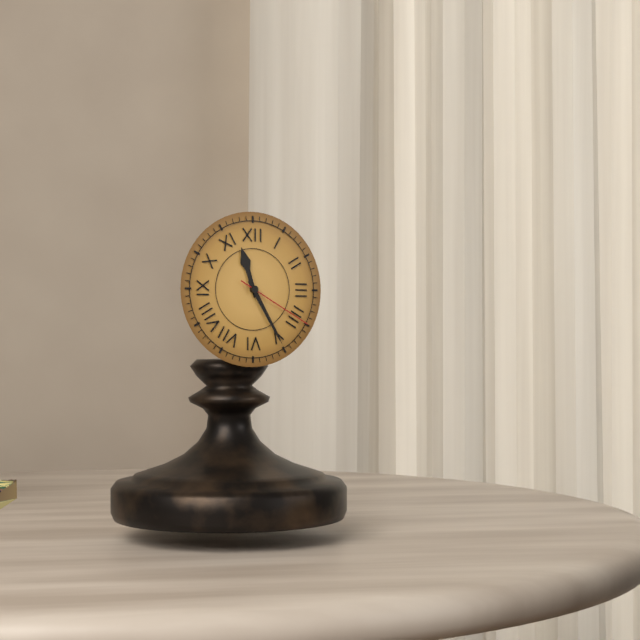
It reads 11,25,20
